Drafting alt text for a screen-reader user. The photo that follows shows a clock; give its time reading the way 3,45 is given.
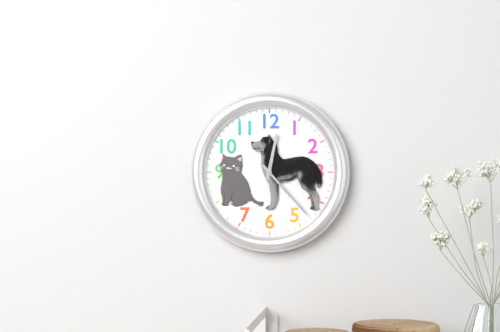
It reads 12,23
